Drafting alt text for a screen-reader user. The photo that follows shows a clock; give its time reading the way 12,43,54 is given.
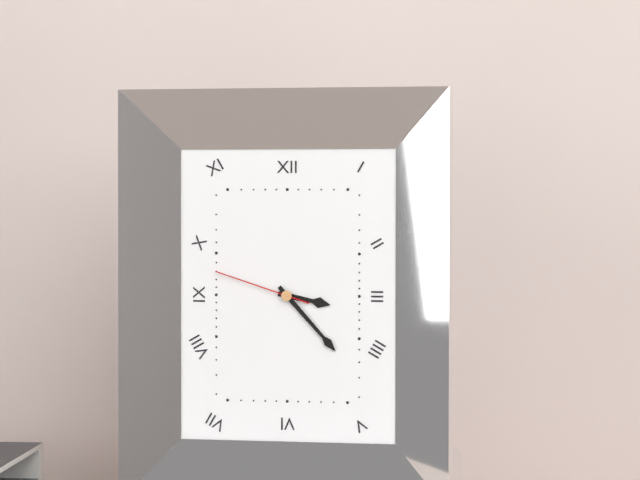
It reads 3,23,48
